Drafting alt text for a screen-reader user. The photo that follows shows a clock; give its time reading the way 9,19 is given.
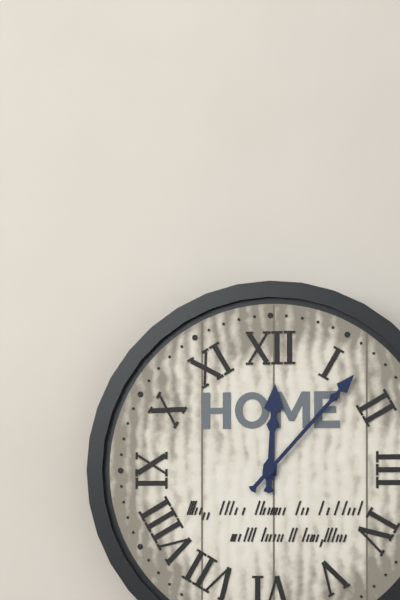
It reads 12,07
